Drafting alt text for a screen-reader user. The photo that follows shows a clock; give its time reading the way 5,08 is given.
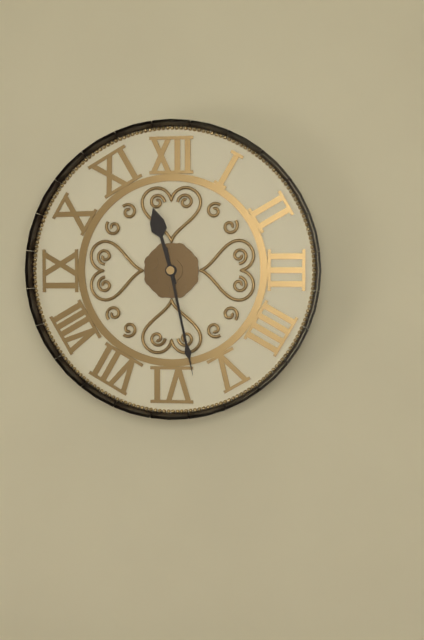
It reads 11,28
